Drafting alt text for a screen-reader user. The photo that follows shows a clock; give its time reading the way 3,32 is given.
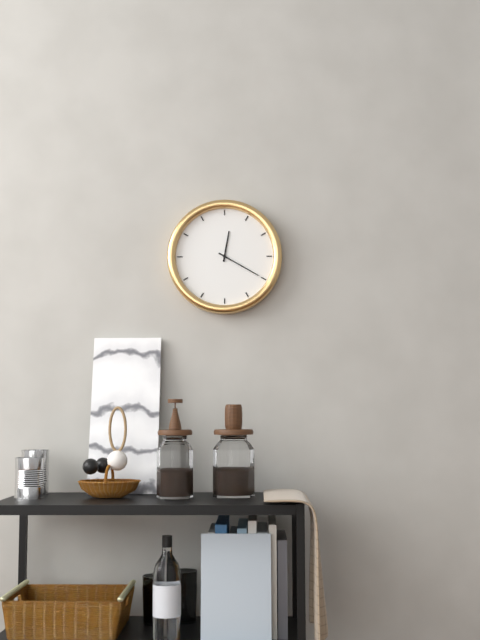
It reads 12,20
